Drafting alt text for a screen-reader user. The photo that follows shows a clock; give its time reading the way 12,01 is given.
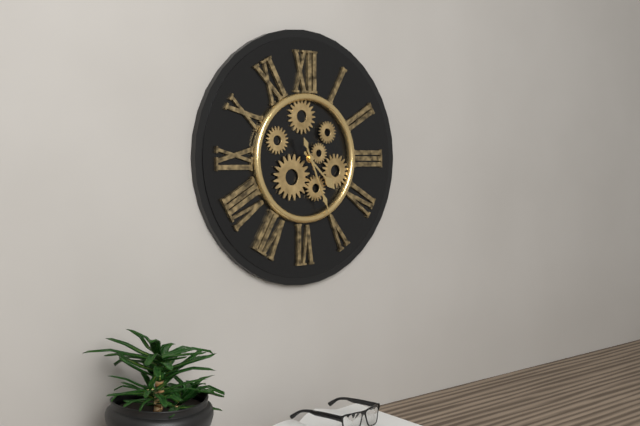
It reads 4,26
